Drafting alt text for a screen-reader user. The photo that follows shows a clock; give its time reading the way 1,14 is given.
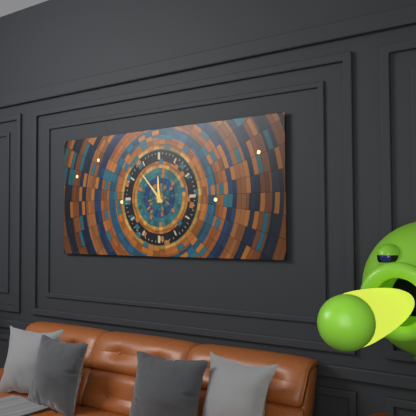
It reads 11,53
